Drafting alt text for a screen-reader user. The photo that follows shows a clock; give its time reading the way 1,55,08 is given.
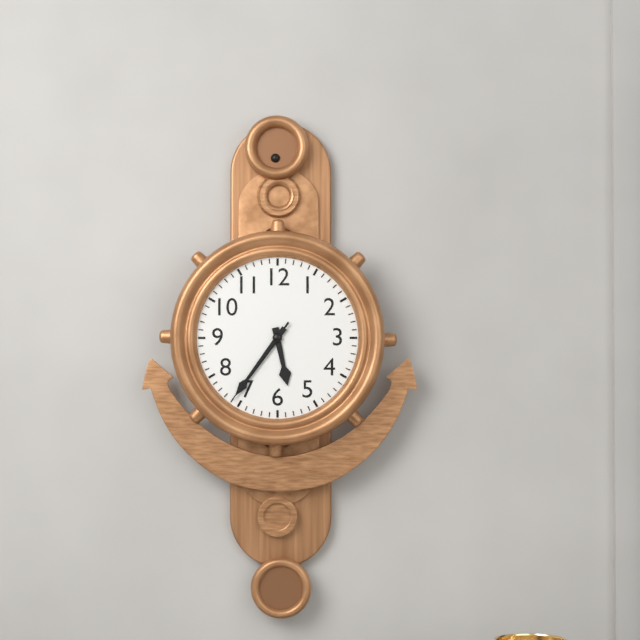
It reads 5,36,36
